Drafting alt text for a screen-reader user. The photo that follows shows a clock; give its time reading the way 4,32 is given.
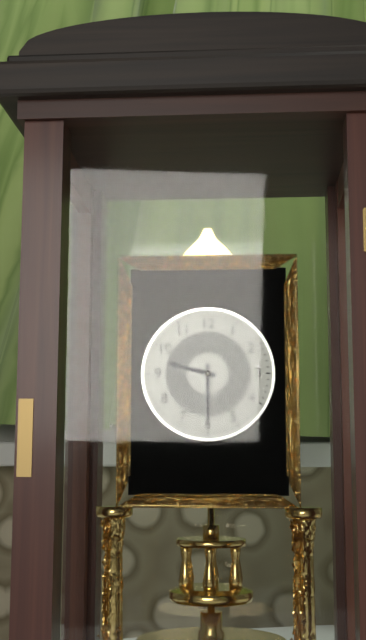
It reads 9,30
